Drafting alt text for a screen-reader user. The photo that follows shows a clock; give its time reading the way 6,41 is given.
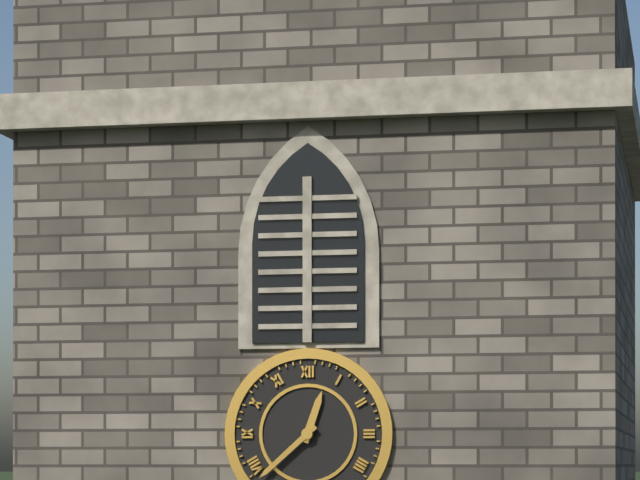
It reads 12,38
